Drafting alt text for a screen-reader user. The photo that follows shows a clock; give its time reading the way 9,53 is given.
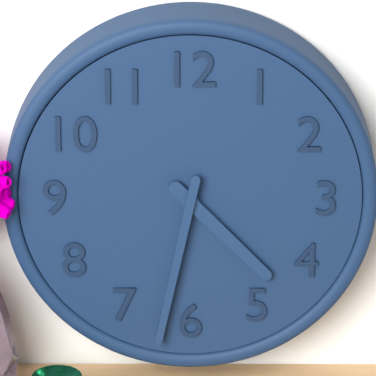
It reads 4,32
